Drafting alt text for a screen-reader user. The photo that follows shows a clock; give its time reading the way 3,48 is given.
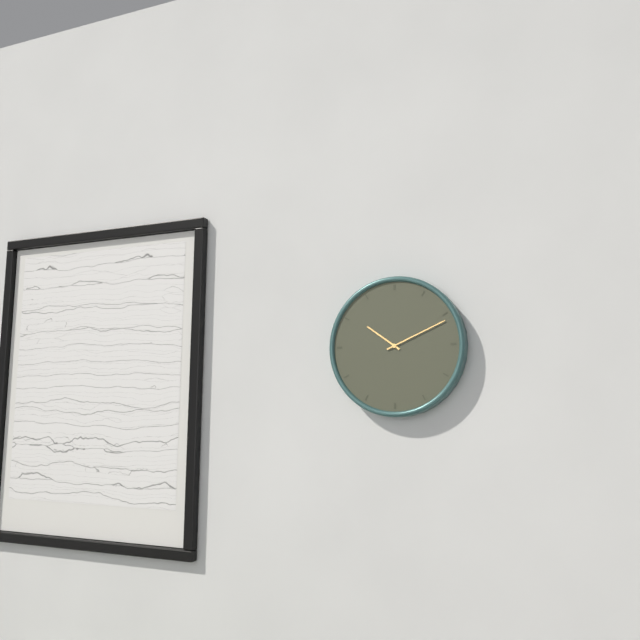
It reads 10,11
